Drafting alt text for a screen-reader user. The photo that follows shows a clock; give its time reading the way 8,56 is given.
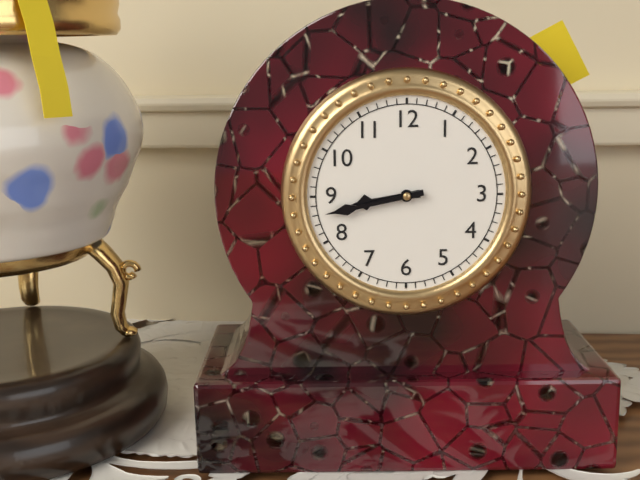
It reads 8,43
